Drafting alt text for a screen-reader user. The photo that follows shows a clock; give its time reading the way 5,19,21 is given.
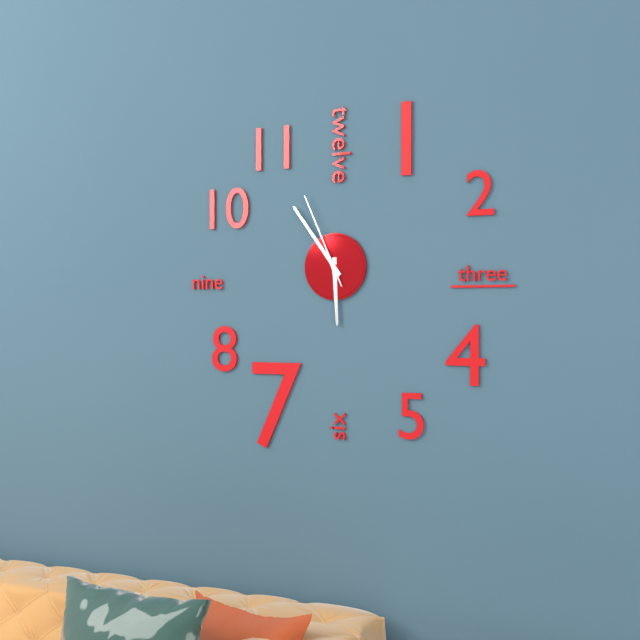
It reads 5,54,56
